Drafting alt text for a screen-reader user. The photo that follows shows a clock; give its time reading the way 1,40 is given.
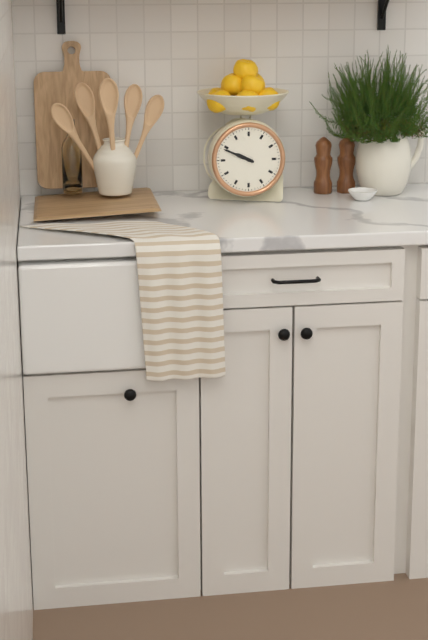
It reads 9,49
